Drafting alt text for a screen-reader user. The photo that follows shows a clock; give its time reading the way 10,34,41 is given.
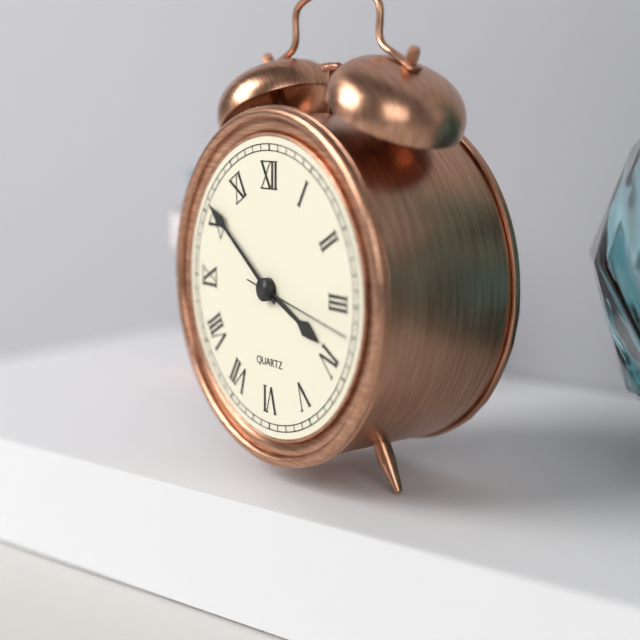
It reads 3,51,17
